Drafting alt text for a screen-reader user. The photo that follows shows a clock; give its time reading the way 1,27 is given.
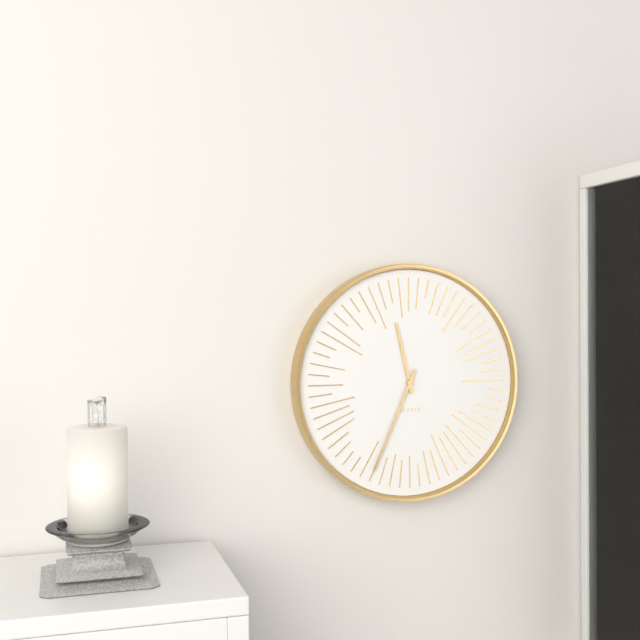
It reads 11,34
